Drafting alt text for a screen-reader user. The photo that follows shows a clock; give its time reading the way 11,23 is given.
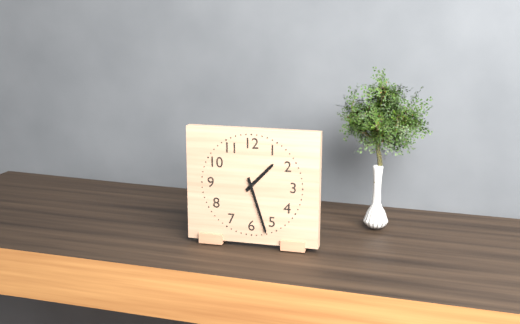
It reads 1,27
